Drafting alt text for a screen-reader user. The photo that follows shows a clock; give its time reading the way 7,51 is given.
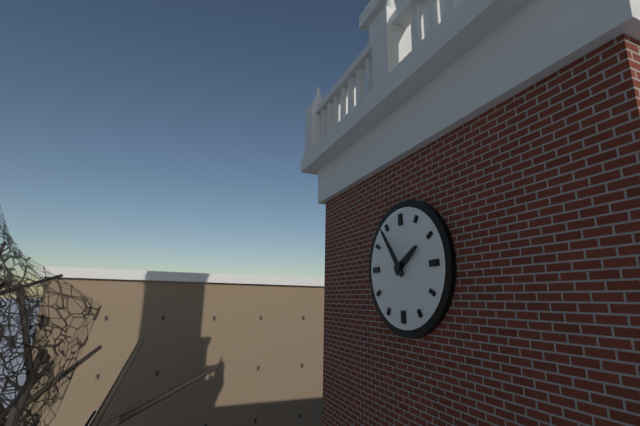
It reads 1,54
